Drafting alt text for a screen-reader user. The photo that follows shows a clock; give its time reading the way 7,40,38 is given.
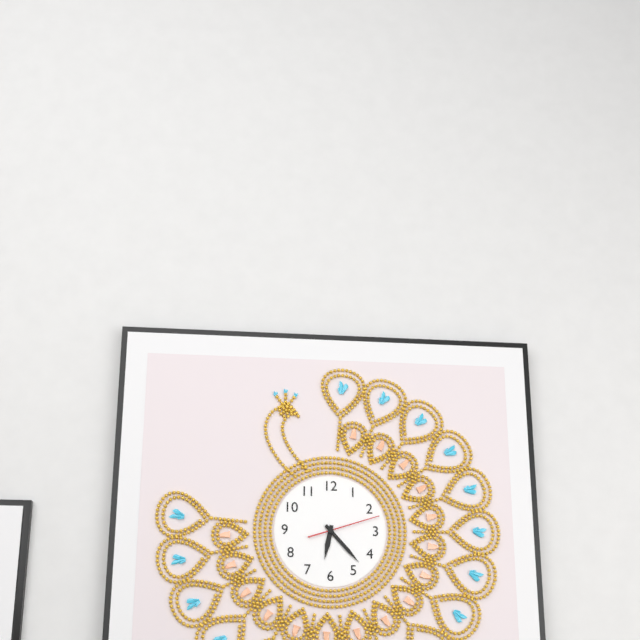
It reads 6,23,12
